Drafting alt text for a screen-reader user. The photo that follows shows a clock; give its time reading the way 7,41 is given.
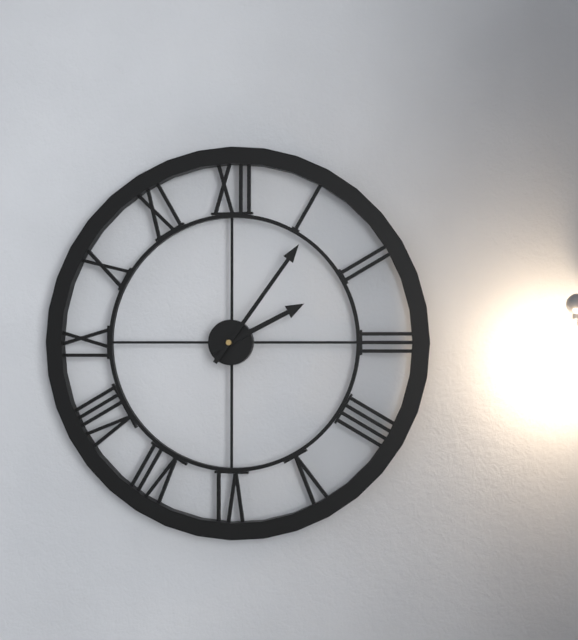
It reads 2,06
